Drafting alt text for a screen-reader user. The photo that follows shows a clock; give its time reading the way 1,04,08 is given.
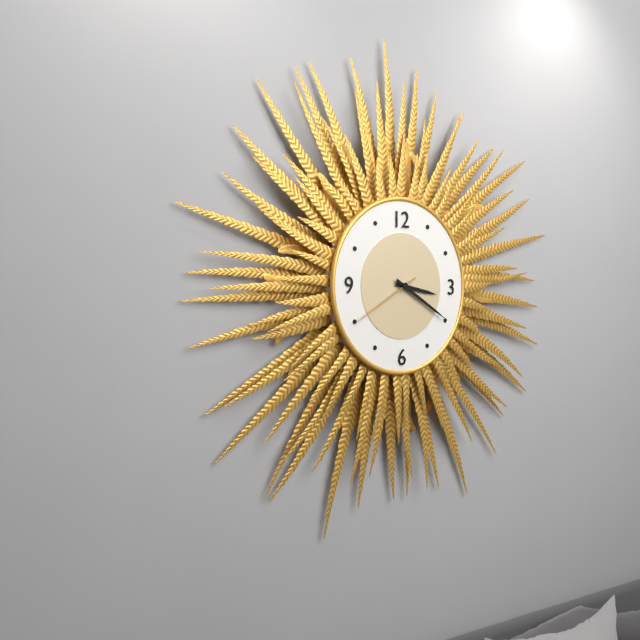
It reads 3,20,40
